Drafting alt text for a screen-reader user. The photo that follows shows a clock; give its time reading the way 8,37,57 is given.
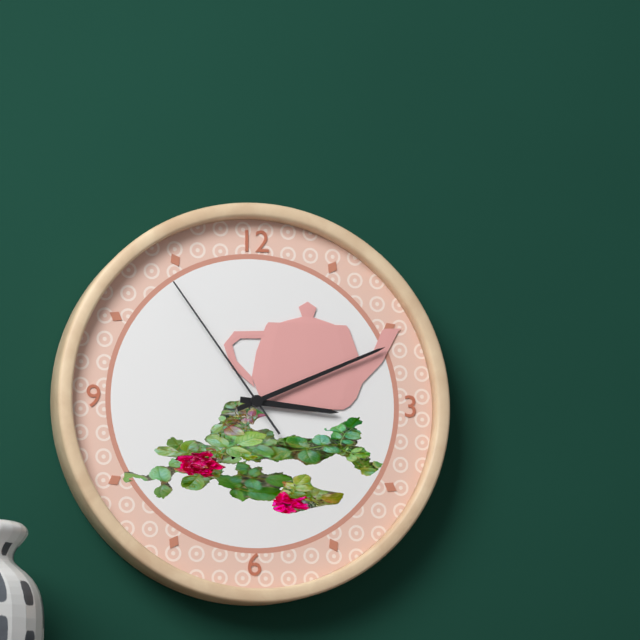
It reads 3,11,54
